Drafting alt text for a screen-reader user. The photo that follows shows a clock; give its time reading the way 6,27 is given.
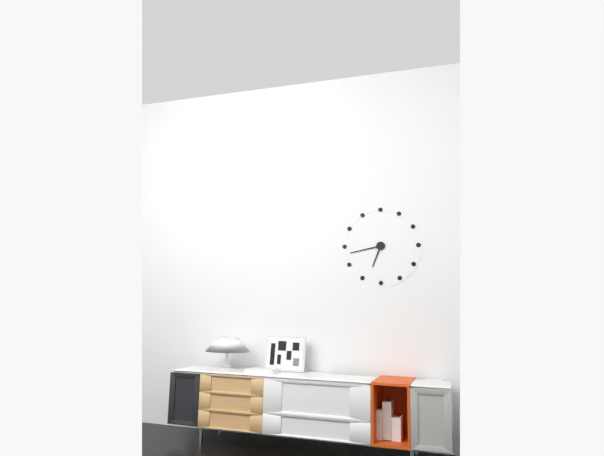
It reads 6,43
